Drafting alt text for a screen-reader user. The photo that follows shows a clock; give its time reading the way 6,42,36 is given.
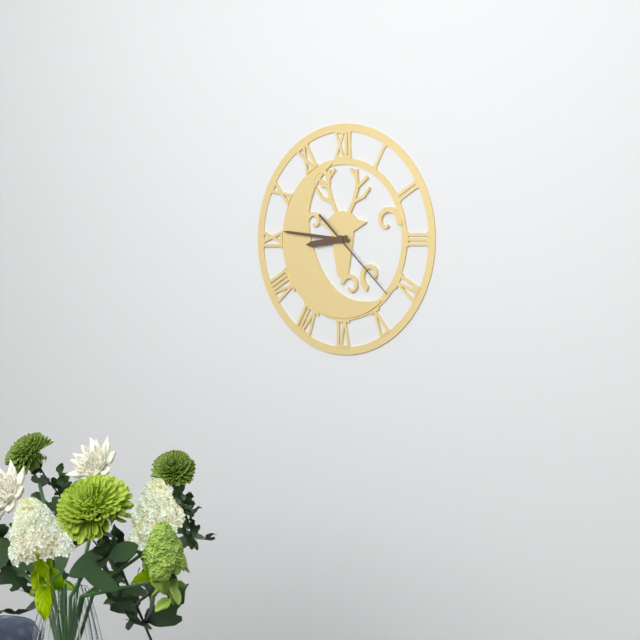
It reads 8,46,22
